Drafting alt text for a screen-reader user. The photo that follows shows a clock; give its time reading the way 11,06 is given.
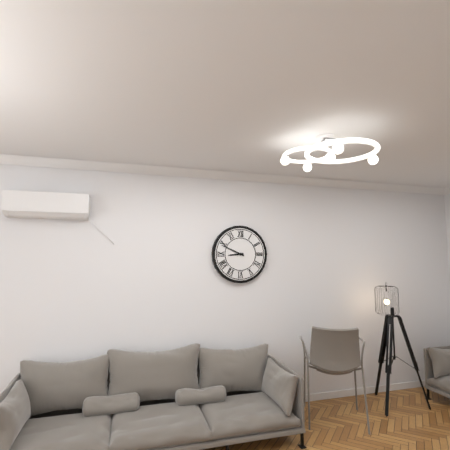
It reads 8,49
